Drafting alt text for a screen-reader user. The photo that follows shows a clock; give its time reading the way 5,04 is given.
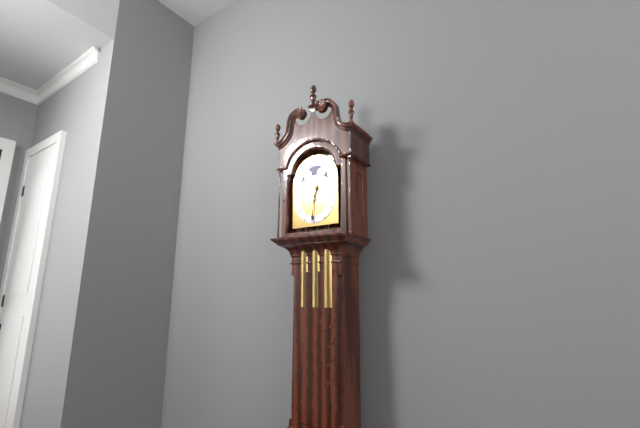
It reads 12,31
